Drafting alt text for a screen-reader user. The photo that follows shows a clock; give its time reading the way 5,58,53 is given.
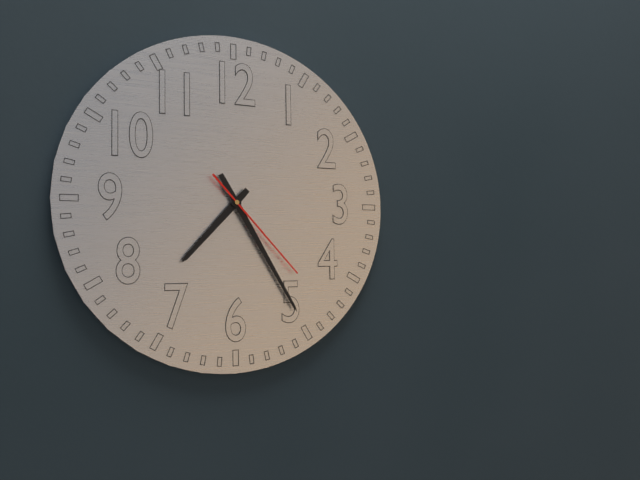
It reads 7,25,23
